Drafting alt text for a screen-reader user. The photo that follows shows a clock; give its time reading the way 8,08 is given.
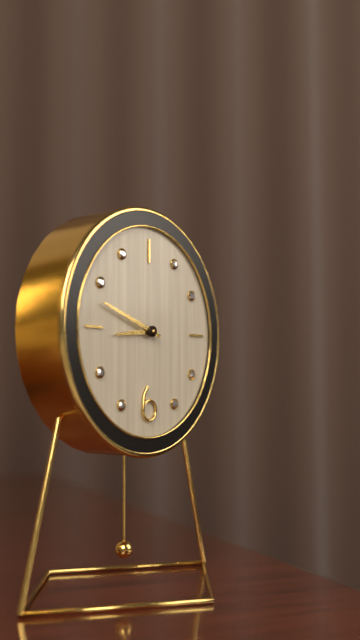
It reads 8,48
